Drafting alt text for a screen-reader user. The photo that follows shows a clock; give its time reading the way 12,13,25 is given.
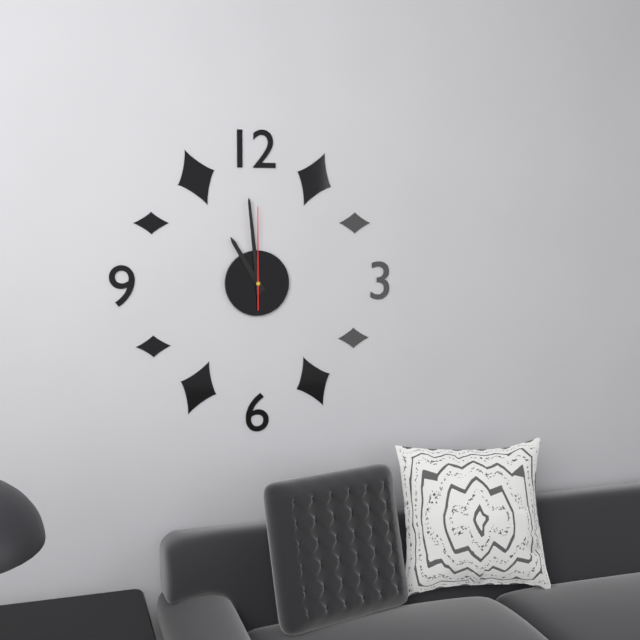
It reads 10,59,00
